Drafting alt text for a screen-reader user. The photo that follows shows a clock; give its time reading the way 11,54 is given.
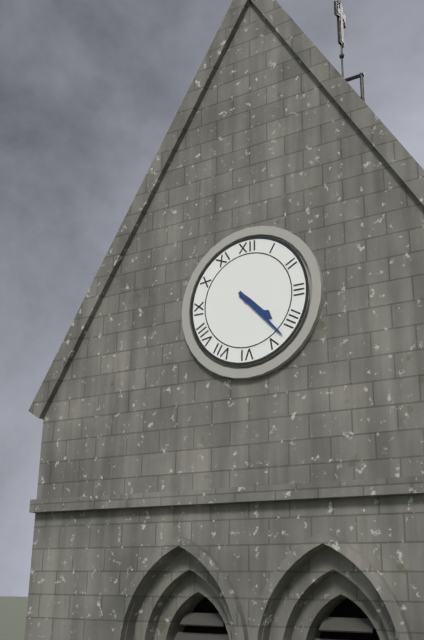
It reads 4,23
